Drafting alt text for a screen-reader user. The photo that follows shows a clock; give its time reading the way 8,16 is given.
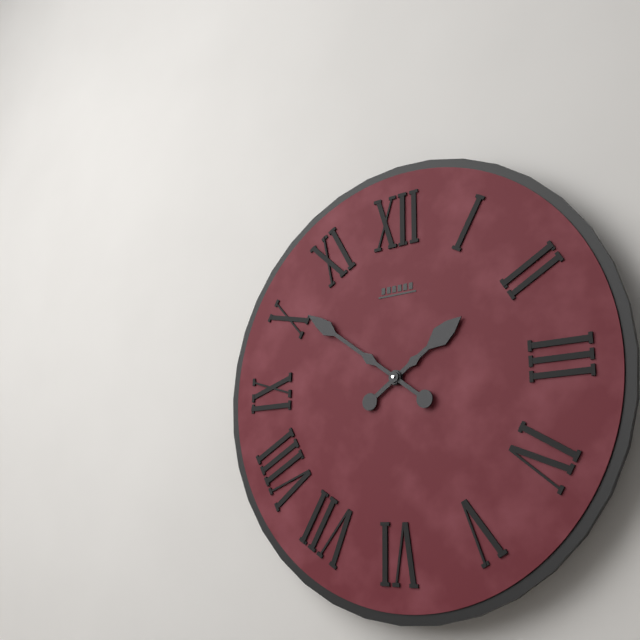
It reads 1,51
